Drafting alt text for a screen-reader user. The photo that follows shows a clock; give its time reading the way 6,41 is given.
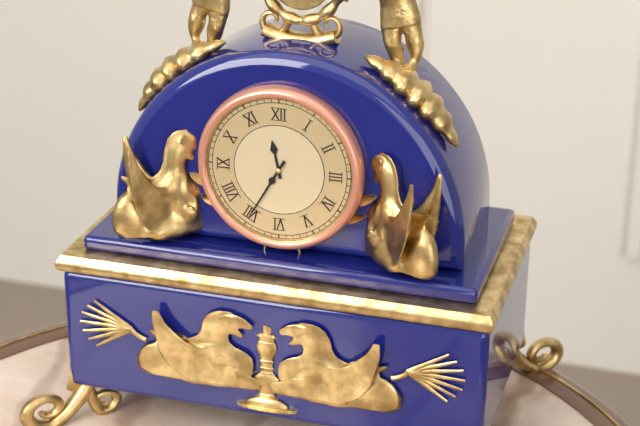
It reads 11,35
